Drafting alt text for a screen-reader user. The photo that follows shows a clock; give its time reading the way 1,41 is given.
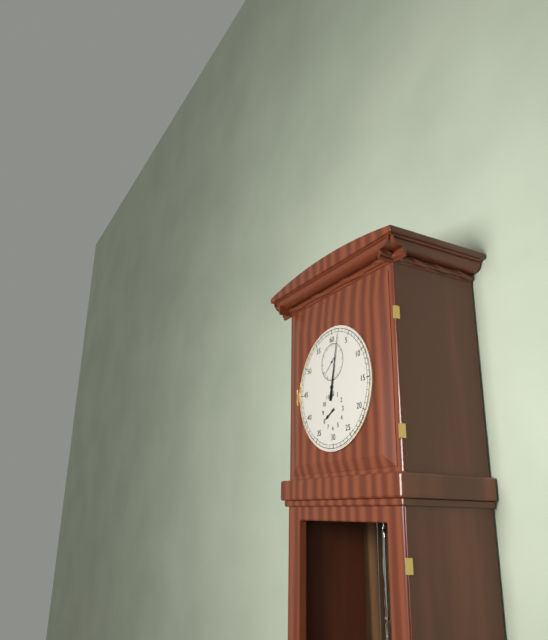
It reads 8,02
